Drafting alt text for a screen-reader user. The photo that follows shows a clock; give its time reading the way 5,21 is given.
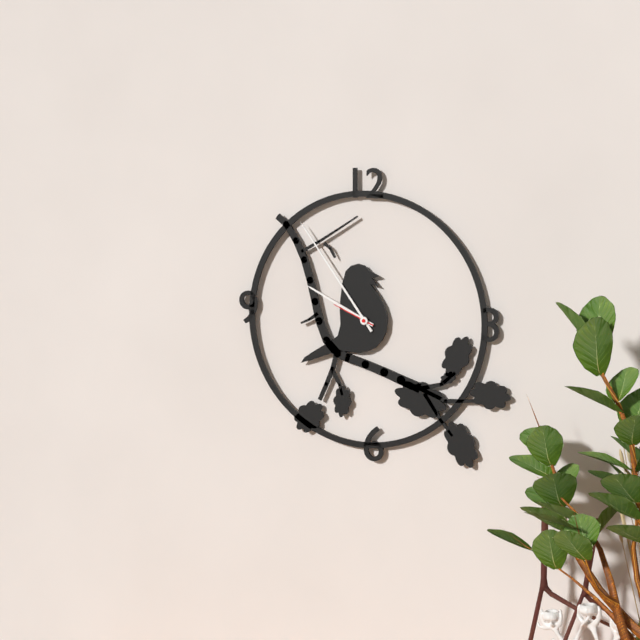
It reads 9,54
